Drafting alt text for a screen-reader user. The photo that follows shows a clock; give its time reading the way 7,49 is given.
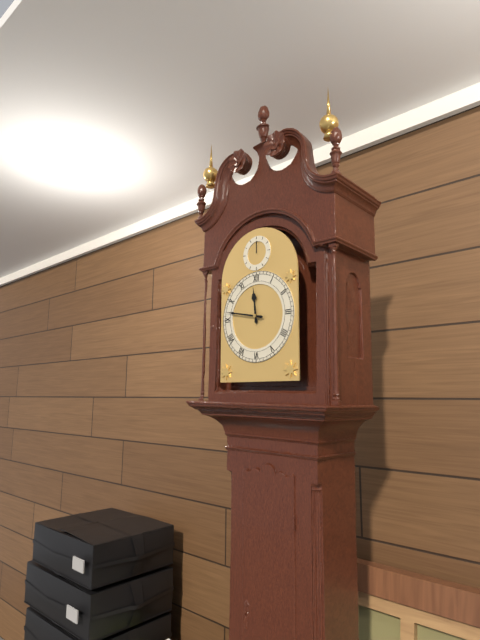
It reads 11,47
